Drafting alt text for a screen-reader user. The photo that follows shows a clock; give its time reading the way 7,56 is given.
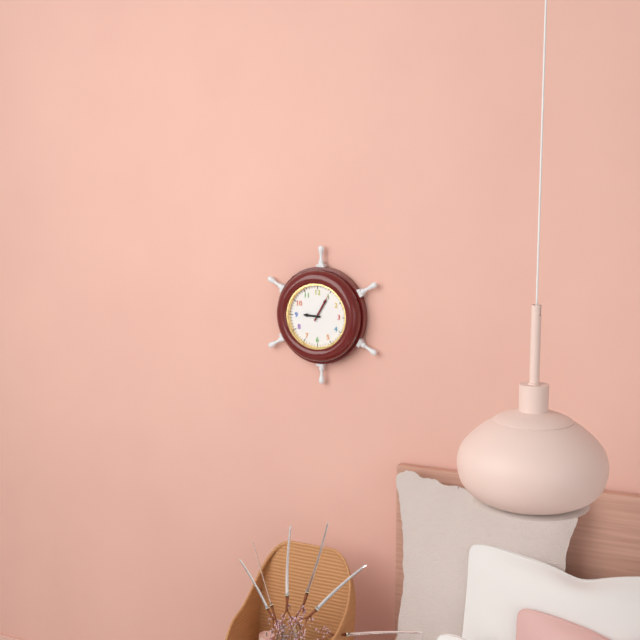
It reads 9,05
